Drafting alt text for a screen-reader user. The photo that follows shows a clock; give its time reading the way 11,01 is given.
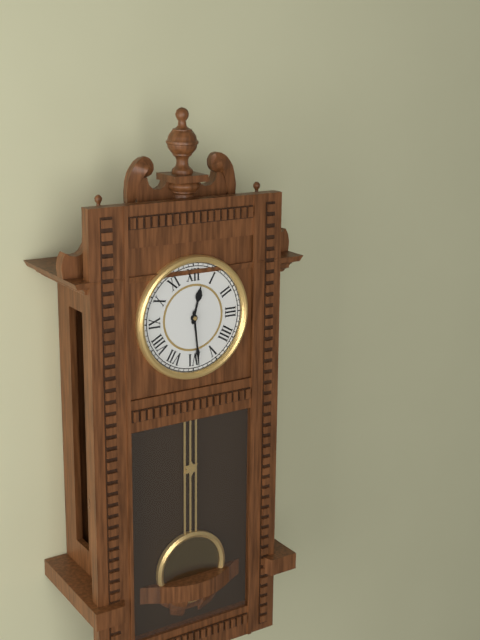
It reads 12,29
